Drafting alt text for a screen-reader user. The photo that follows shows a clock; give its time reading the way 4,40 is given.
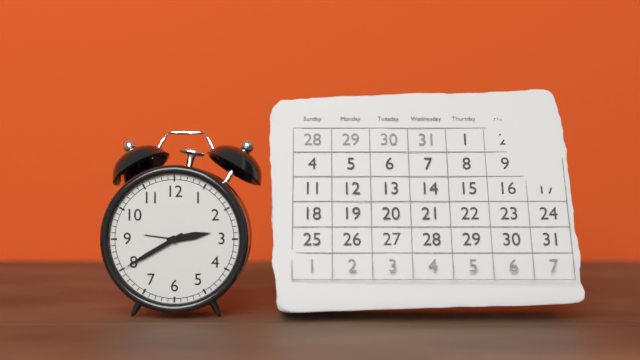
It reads 2,40
